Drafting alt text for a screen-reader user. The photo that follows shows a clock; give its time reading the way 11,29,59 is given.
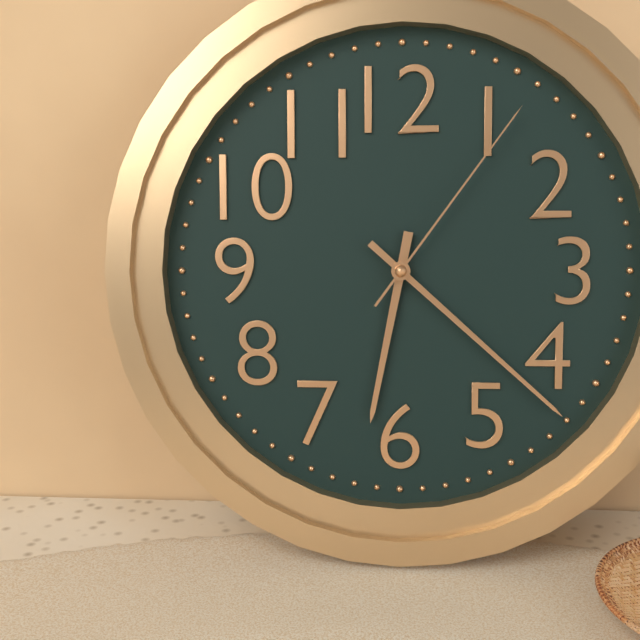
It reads 6,22,06
